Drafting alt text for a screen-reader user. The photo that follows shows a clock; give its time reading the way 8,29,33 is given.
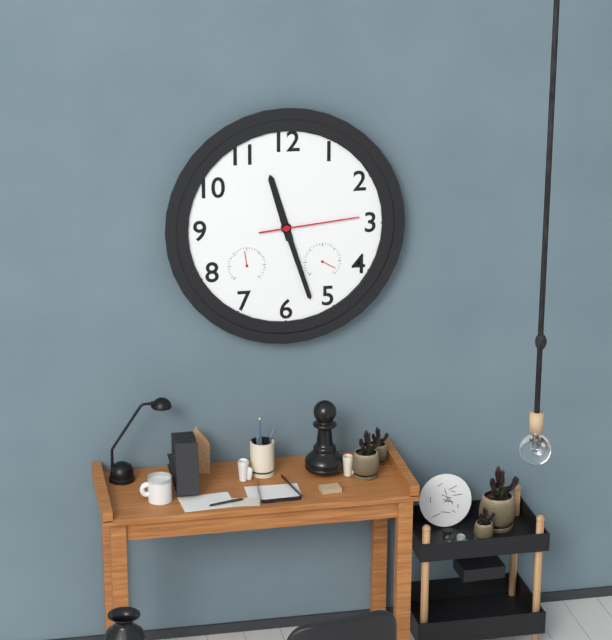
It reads 11,27,14
